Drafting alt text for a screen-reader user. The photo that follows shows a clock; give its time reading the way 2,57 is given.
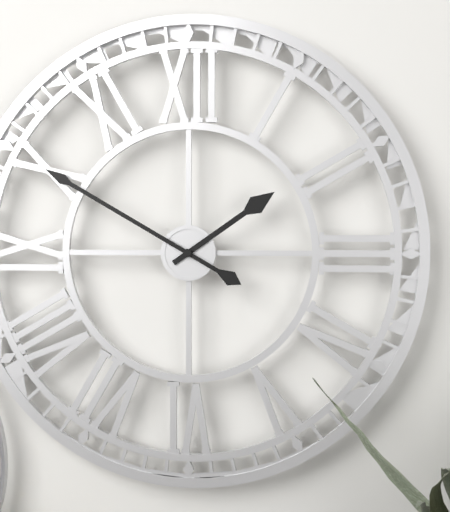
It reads 1,50
